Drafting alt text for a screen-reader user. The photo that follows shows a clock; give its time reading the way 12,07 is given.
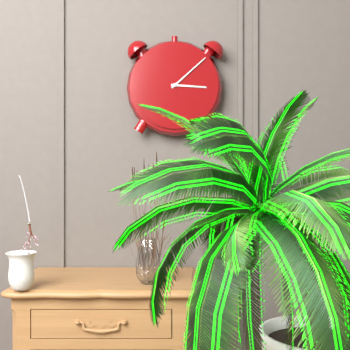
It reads 3,08
